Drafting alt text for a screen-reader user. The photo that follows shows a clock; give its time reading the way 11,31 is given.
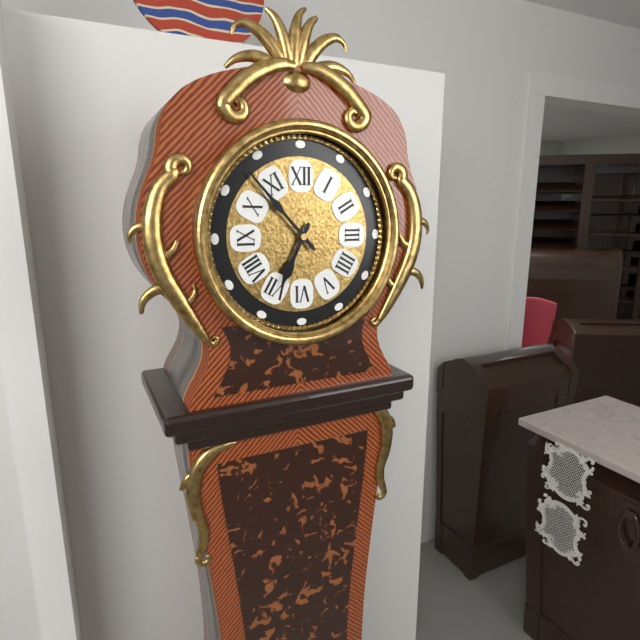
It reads 6,53
